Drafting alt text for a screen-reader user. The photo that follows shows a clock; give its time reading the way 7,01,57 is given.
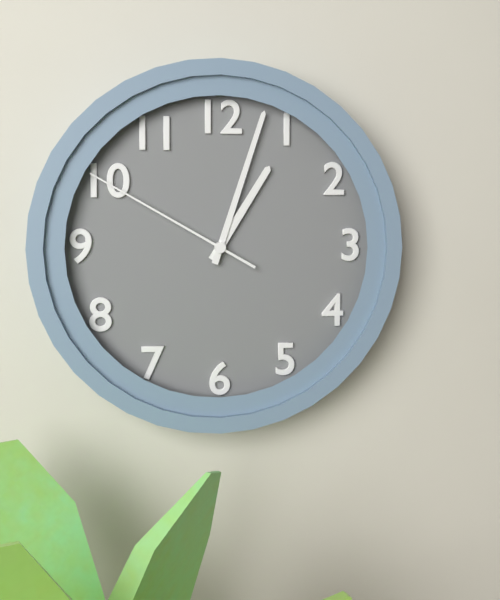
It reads 1,03,50
